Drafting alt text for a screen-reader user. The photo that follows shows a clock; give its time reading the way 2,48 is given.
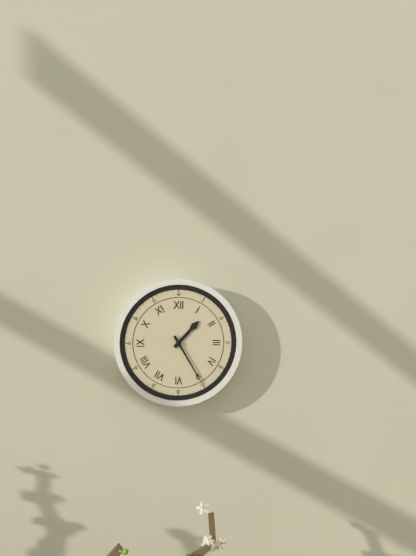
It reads 1,25
